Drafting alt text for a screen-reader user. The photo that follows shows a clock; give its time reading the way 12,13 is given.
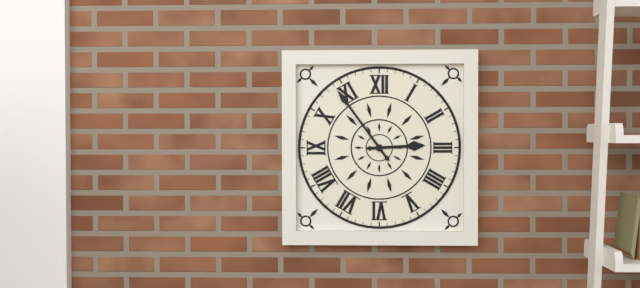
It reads 2,54
